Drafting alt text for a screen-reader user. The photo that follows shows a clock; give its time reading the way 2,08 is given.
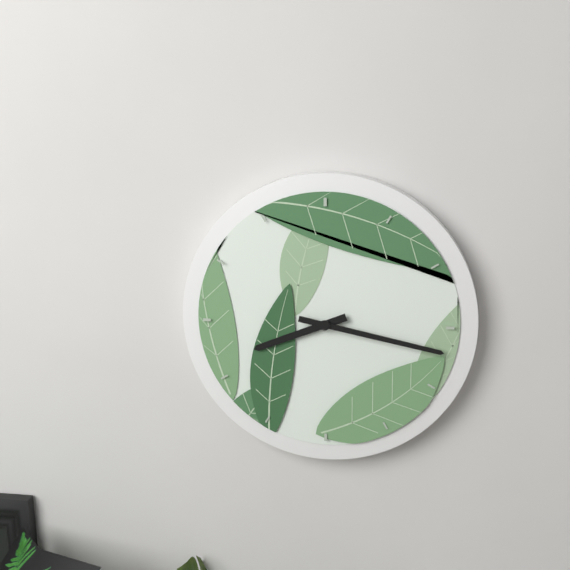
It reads 8,17
